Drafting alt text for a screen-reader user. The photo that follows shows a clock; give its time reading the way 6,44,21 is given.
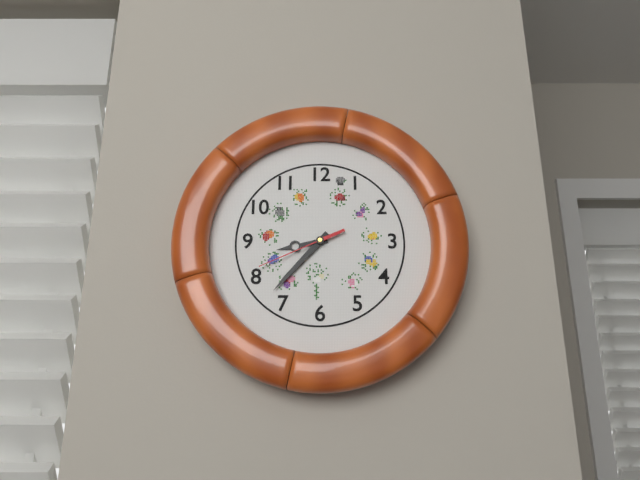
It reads 8,37,41
